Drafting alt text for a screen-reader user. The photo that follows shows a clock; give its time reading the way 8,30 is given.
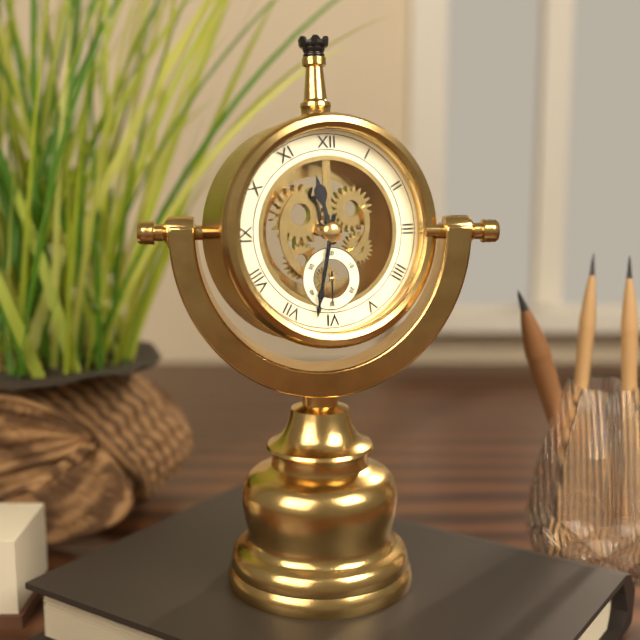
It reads 11,32
